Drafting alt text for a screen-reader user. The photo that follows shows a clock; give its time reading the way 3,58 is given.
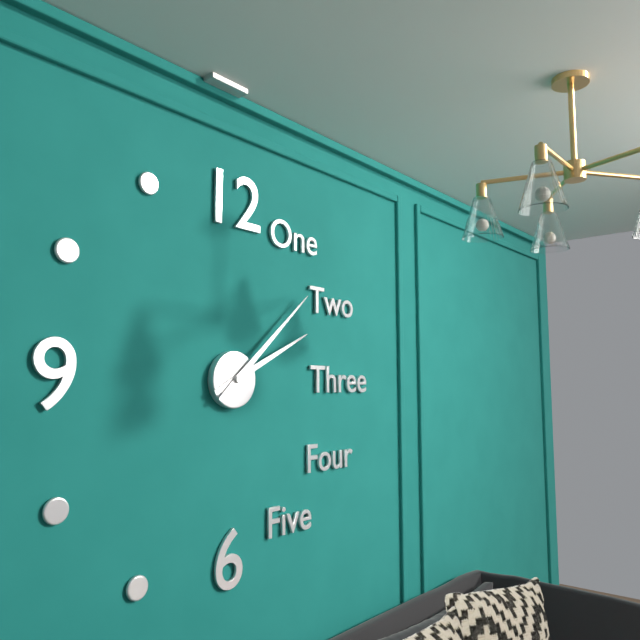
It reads 2,08
